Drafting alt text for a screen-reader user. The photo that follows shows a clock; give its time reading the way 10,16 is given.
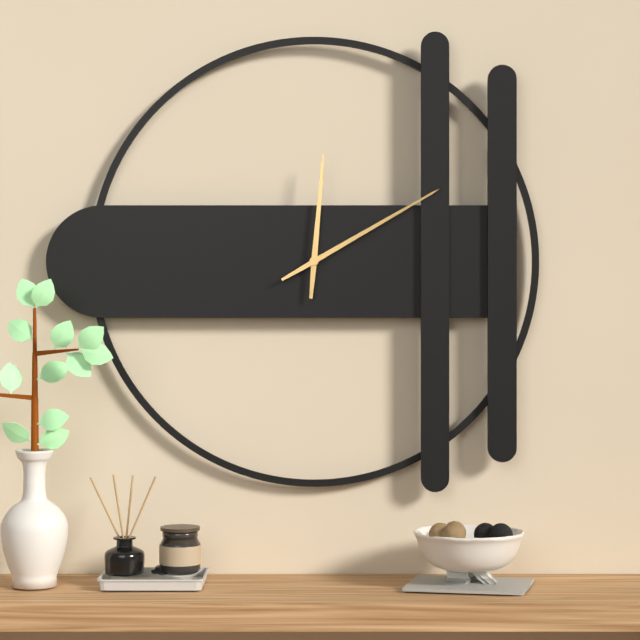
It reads 12,10
